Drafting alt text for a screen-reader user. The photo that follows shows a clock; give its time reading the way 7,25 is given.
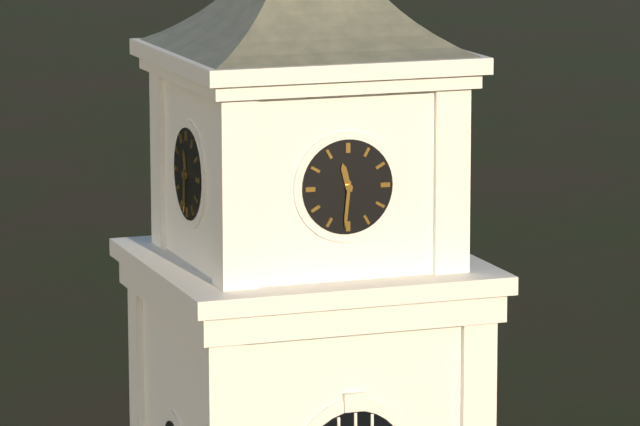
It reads 11,31
